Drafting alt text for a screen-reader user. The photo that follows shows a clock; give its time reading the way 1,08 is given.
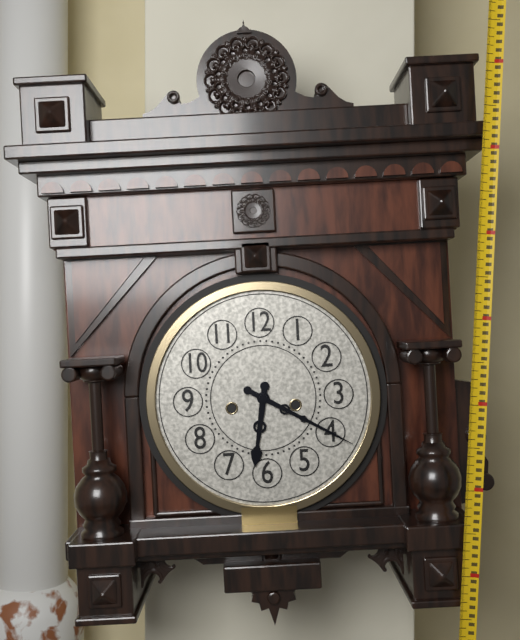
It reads 6,20
